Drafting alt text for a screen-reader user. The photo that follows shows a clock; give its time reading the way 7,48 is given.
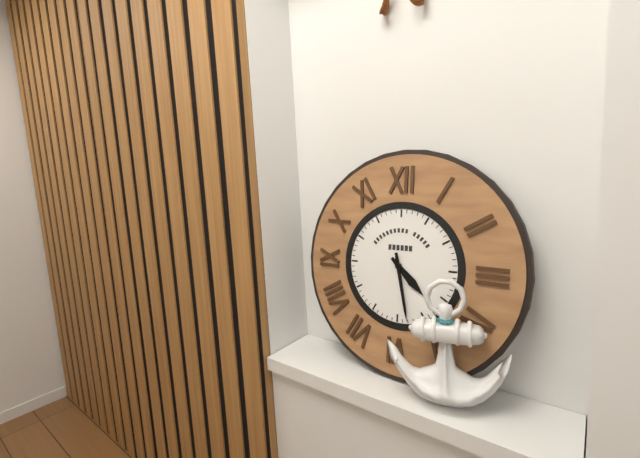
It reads 4,28
